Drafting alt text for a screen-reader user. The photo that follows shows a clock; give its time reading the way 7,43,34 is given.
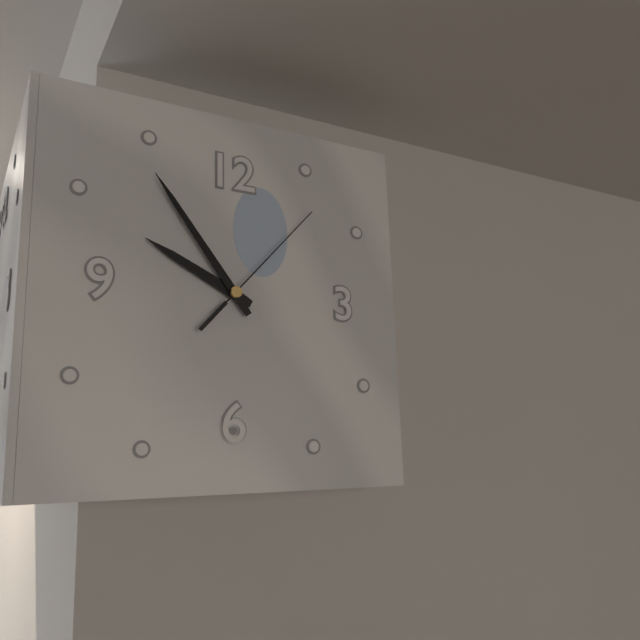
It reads 9,54,07
